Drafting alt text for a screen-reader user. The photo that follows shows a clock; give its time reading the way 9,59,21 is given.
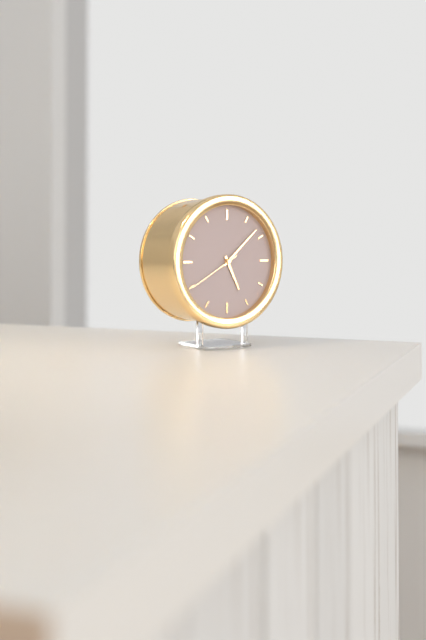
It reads 5,08,40
